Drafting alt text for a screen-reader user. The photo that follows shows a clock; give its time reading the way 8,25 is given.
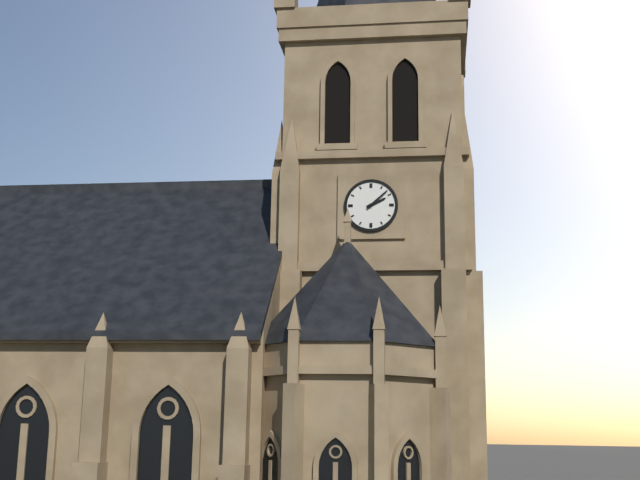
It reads 2,08
